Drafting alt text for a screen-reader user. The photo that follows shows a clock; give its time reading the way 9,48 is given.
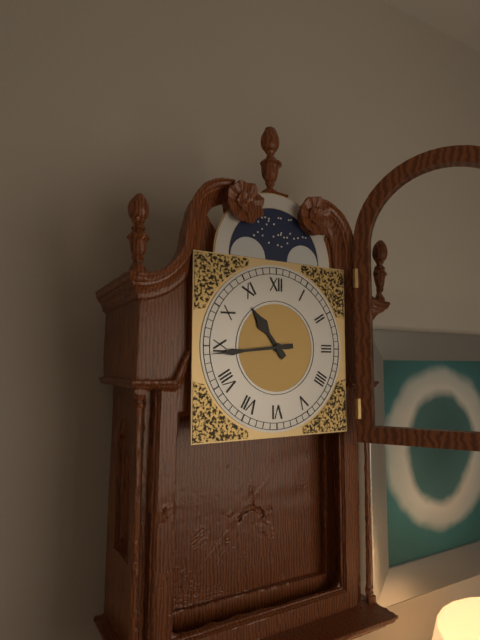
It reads 10,44
